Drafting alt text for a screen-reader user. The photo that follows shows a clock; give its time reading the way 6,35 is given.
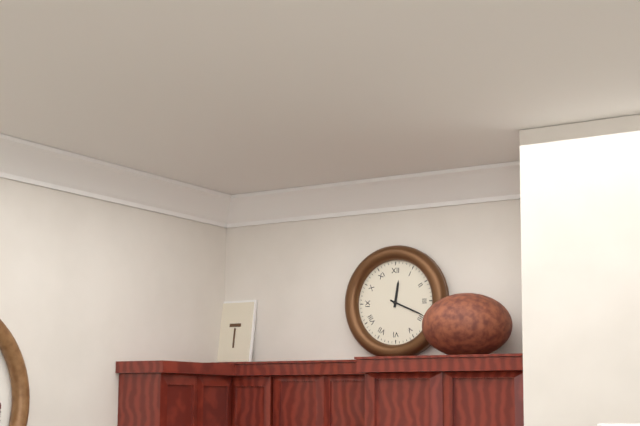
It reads 12,19
